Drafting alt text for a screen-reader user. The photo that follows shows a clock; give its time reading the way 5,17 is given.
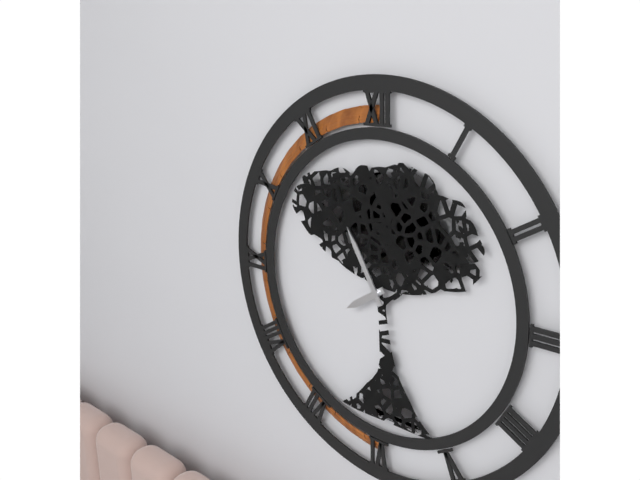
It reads 7,55
